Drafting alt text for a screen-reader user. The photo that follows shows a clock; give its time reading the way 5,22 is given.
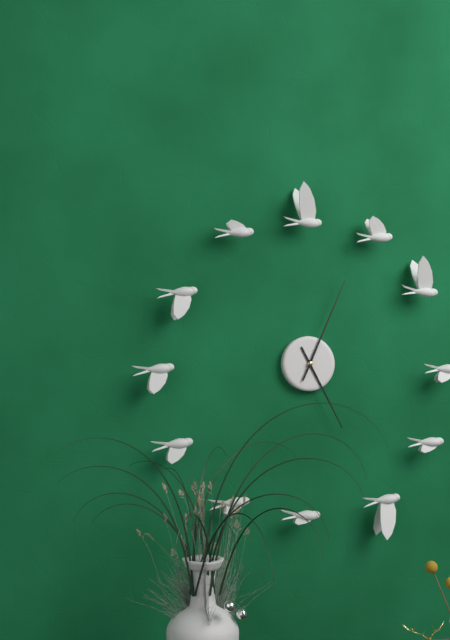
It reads 5,04
